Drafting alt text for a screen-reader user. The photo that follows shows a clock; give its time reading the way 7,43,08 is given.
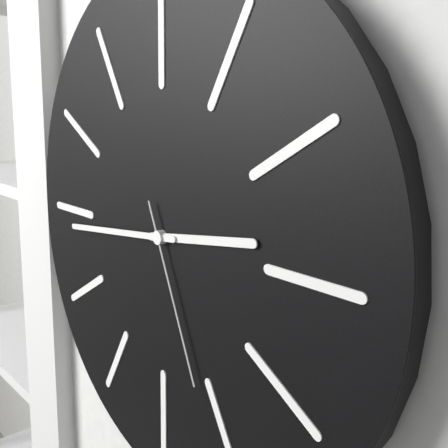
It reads 2,44,26
